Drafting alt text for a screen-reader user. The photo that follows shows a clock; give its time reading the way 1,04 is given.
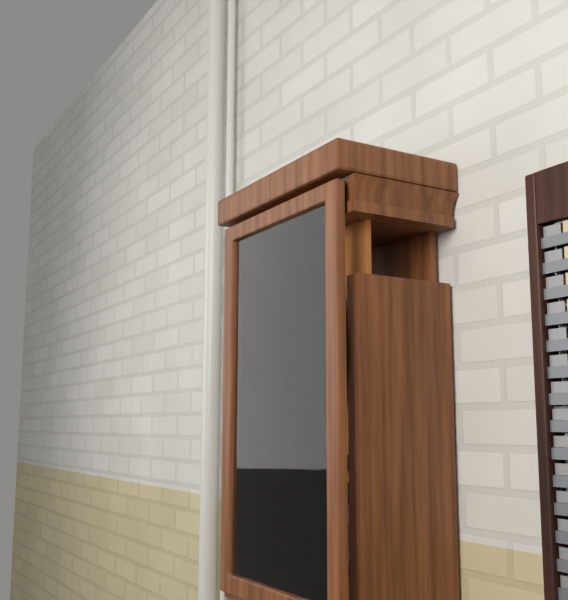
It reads 4,19
